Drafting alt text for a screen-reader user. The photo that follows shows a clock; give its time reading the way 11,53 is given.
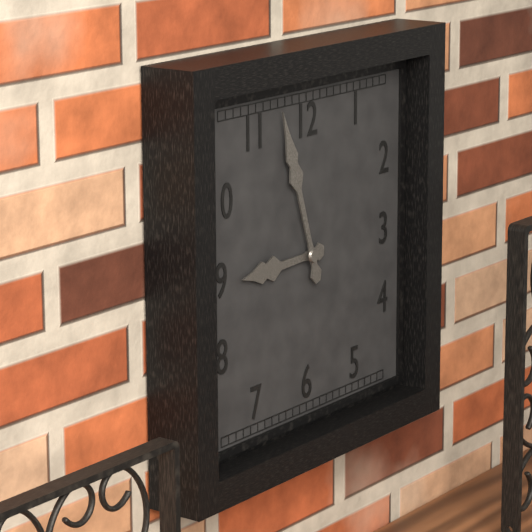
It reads 8,57
